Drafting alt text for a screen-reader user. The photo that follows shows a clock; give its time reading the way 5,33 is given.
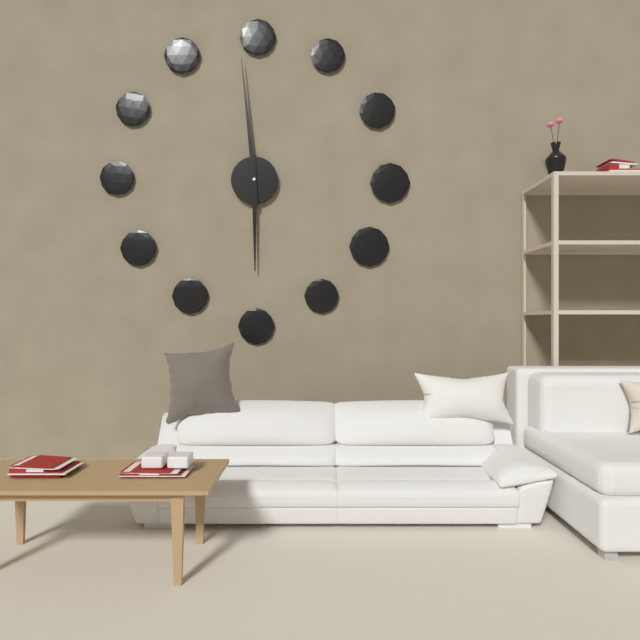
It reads 5,59
